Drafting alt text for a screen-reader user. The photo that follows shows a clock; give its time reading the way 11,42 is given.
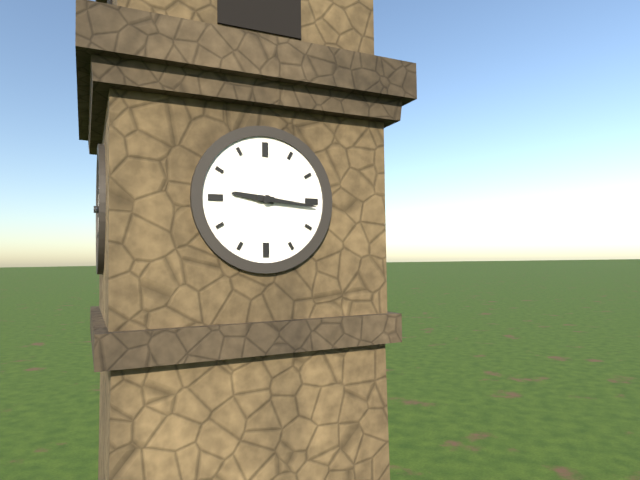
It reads 9,16
